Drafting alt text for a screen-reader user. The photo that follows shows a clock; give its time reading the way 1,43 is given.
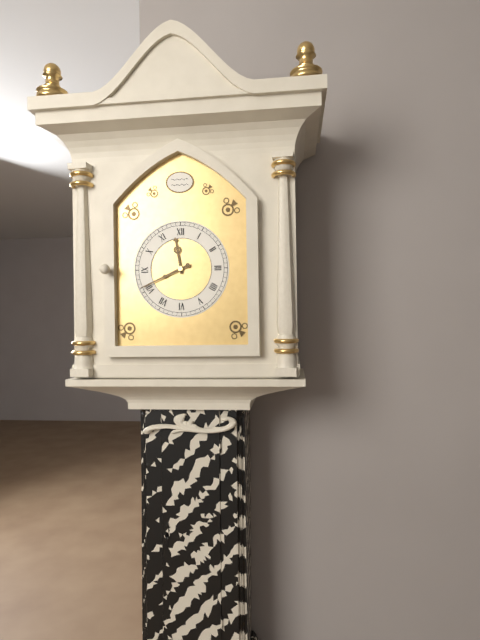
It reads 11,41
